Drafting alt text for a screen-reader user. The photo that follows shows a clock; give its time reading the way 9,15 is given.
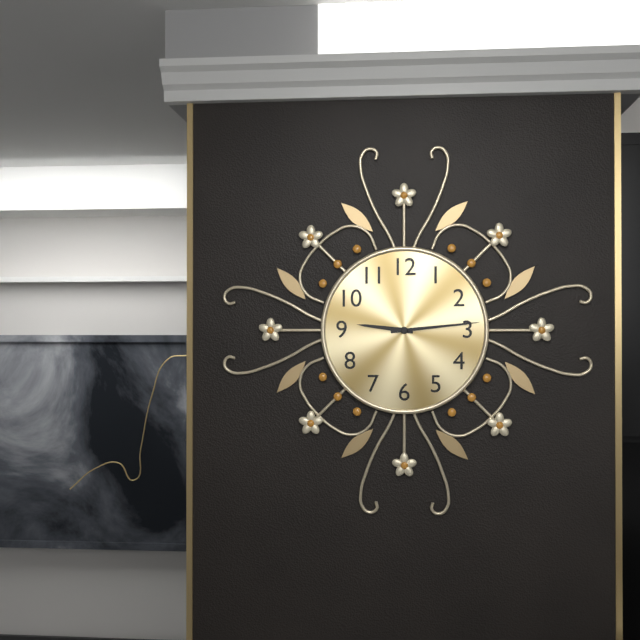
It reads 9,14
